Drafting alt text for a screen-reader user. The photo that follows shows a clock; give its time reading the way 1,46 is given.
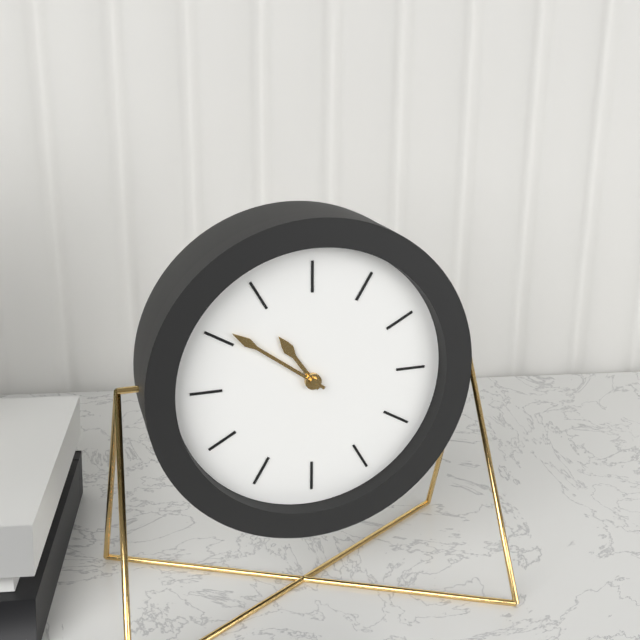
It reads 10,51
